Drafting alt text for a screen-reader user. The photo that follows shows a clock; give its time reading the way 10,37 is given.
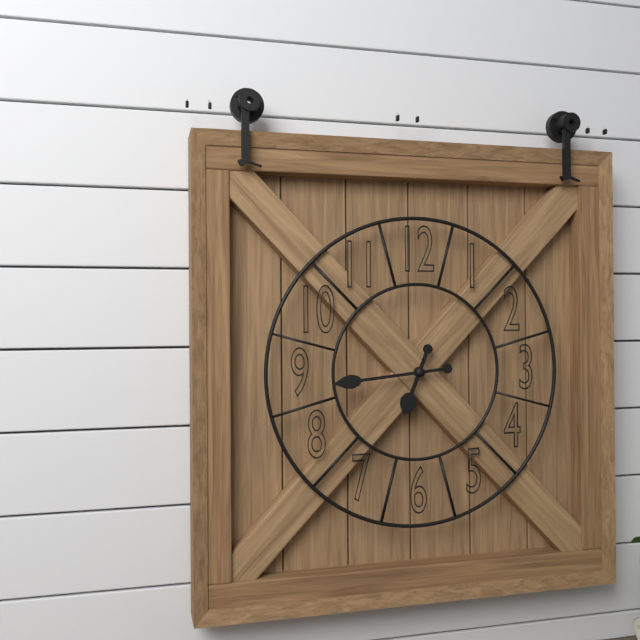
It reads 6,44
